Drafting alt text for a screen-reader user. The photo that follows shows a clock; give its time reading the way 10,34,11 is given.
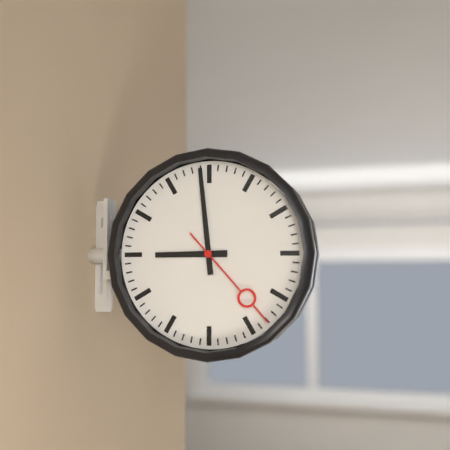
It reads 8,59,23
